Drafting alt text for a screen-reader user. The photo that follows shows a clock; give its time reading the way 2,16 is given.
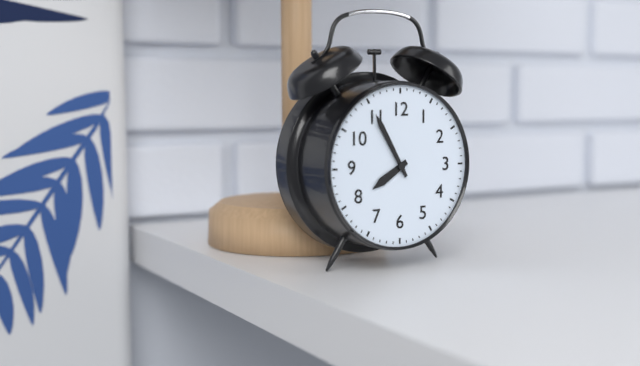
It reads 7,55
